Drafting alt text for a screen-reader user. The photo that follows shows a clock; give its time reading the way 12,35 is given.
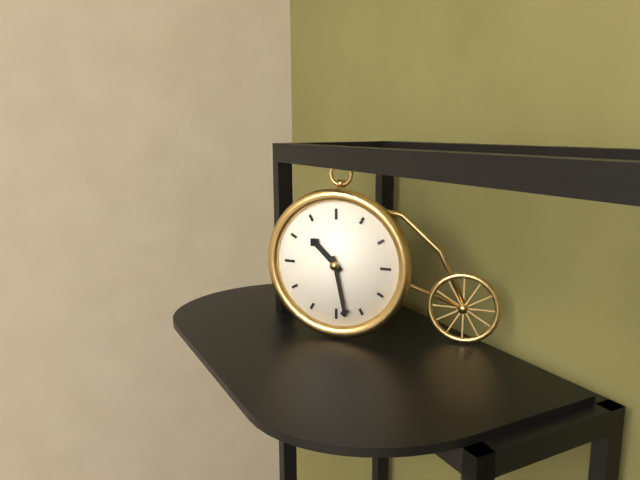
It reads 10,28
